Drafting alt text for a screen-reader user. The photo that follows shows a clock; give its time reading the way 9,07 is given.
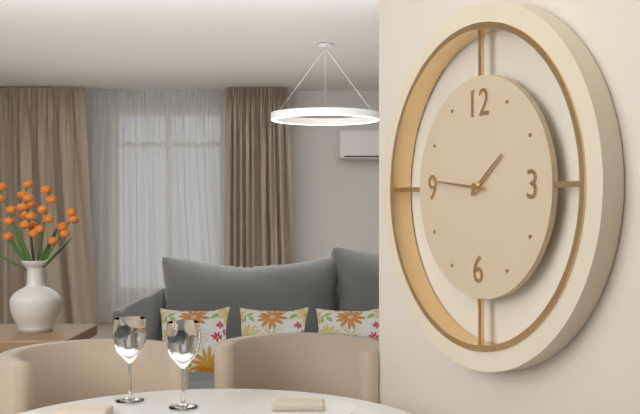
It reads 1,46
